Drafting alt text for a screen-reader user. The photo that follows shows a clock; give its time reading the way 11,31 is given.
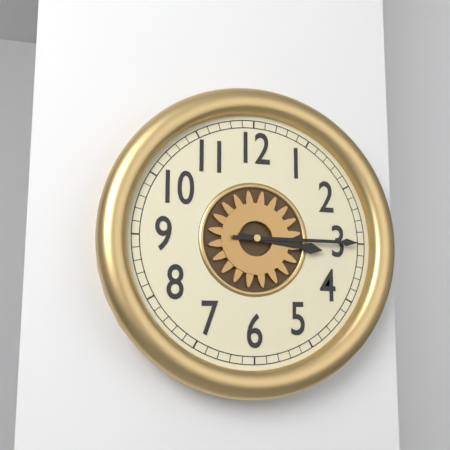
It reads 3,15
